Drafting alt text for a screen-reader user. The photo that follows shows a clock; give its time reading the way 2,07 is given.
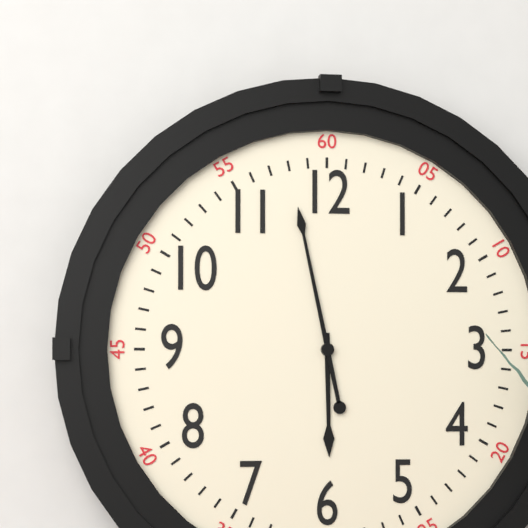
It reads 5,58
